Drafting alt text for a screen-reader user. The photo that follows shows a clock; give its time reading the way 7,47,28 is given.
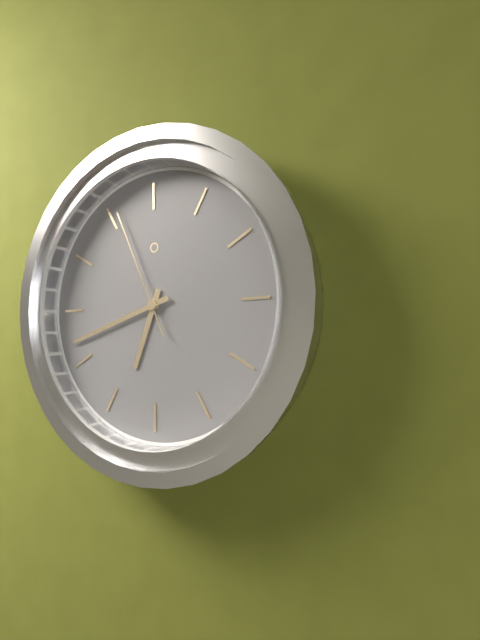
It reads 6,42,56
